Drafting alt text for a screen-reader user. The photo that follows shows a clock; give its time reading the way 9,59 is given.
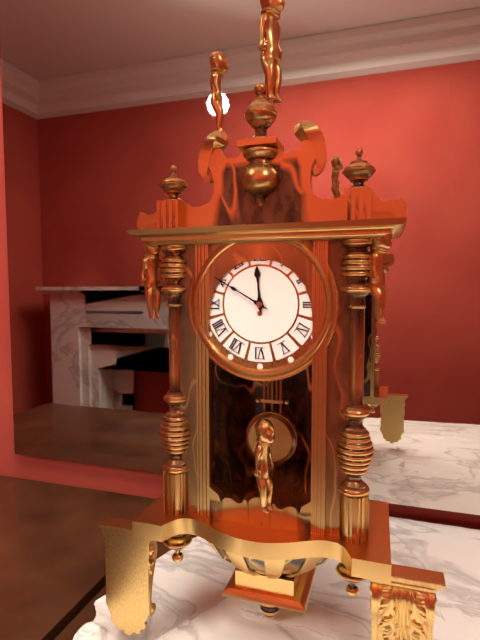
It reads 11,50
